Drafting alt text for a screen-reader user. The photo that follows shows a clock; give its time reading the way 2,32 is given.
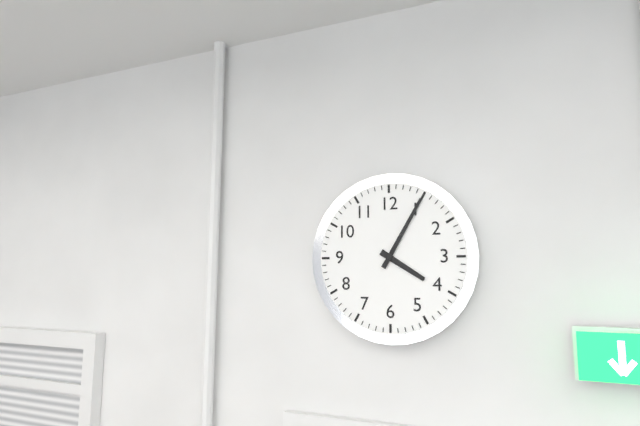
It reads 4,05
